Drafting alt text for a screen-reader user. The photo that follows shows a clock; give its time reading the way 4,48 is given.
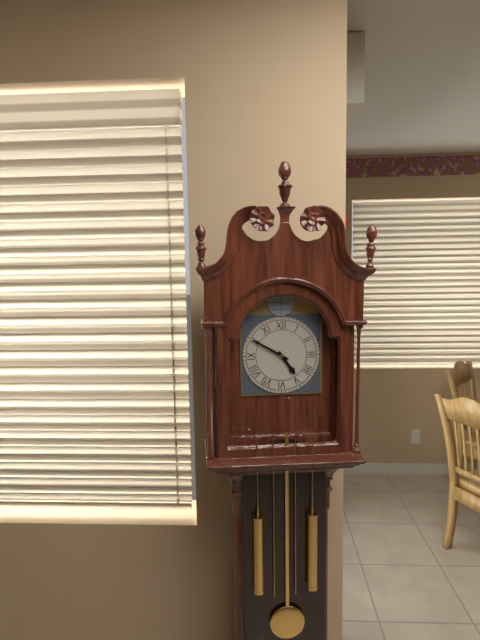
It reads 4,50
